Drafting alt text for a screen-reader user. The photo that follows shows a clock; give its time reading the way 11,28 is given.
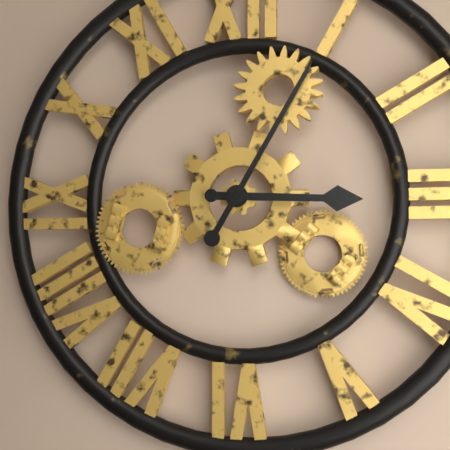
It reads 3,05
